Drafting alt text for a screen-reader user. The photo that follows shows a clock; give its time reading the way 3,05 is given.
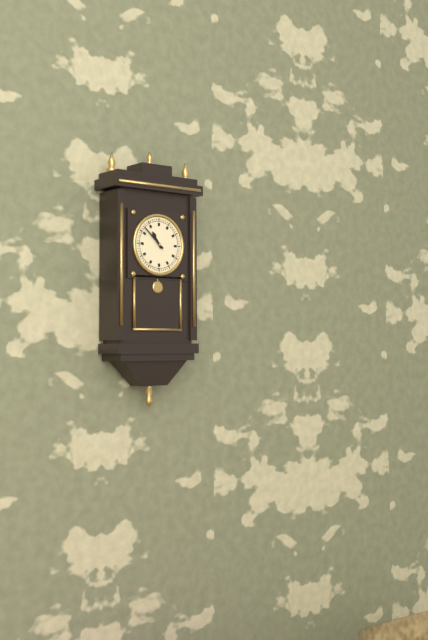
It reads 10,52
